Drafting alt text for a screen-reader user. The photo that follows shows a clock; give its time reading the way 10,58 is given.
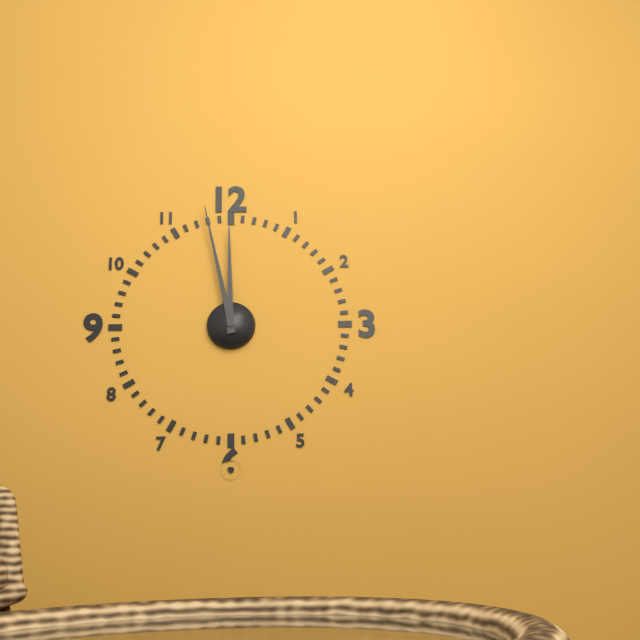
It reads 11,58
